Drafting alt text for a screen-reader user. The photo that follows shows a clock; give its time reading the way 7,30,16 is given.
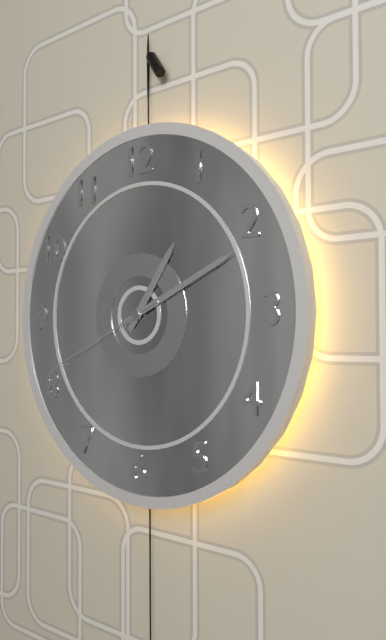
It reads 1,11,41
